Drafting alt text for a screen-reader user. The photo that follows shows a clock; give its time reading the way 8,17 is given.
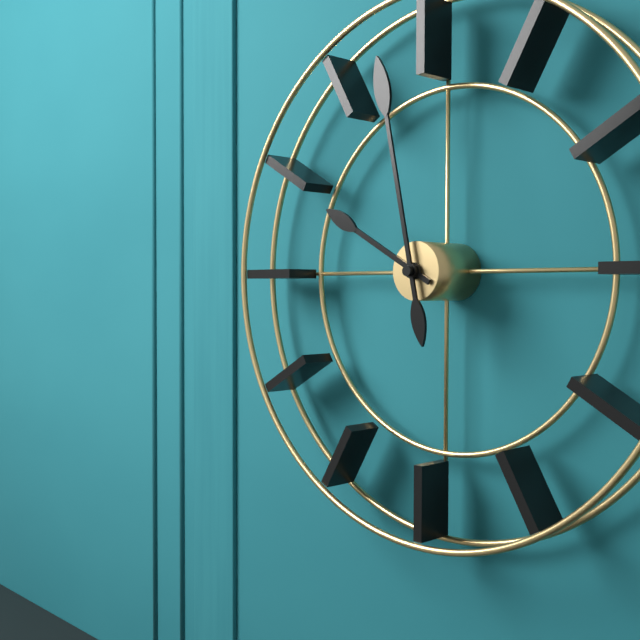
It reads 9,58
